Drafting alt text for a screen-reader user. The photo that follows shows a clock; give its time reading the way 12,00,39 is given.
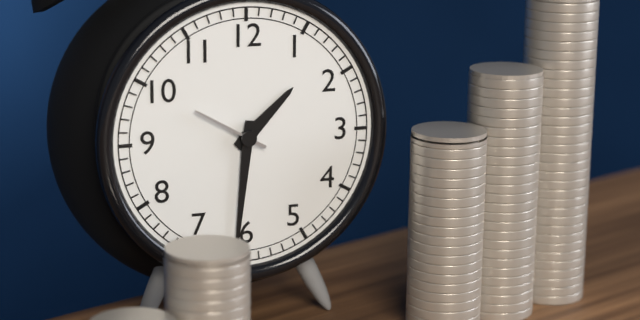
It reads 1,31,50
